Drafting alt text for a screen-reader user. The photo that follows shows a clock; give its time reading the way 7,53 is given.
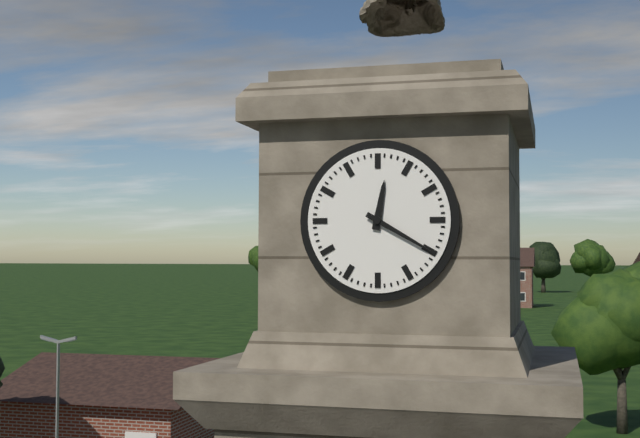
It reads 12,20
